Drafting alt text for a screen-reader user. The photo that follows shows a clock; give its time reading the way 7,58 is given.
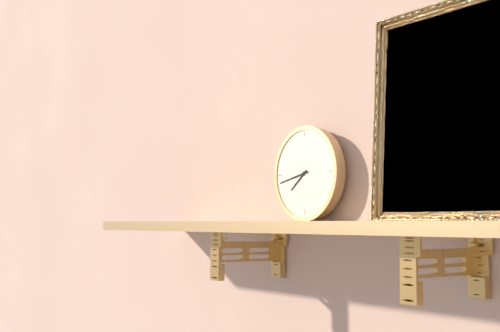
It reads 7,43
